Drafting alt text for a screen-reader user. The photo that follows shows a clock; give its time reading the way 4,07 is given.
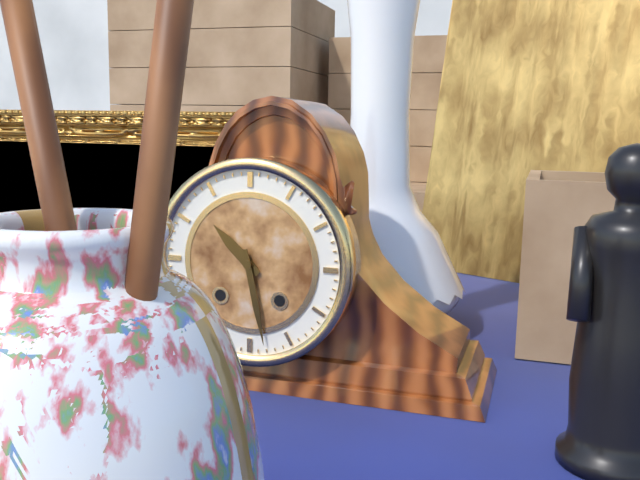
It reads 10,28
